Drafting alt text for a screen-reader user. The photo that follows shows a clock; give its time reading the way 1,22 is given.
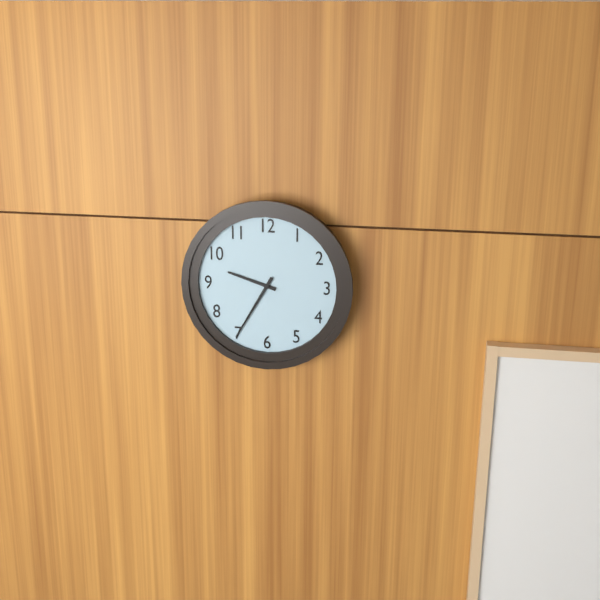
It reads 9,35
